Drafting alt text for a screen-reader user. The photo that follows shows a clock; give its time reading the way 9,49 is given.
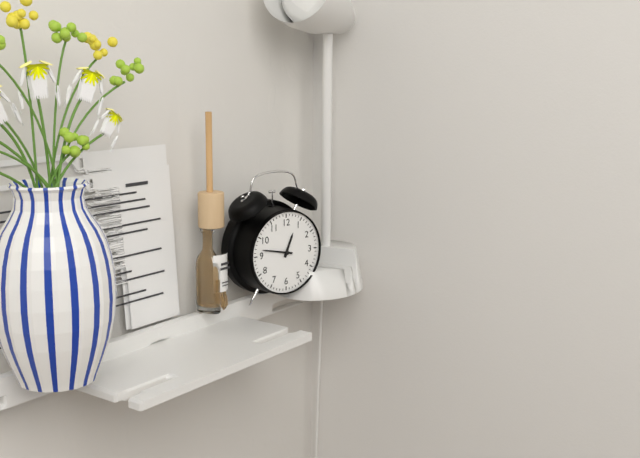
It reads 12,47
